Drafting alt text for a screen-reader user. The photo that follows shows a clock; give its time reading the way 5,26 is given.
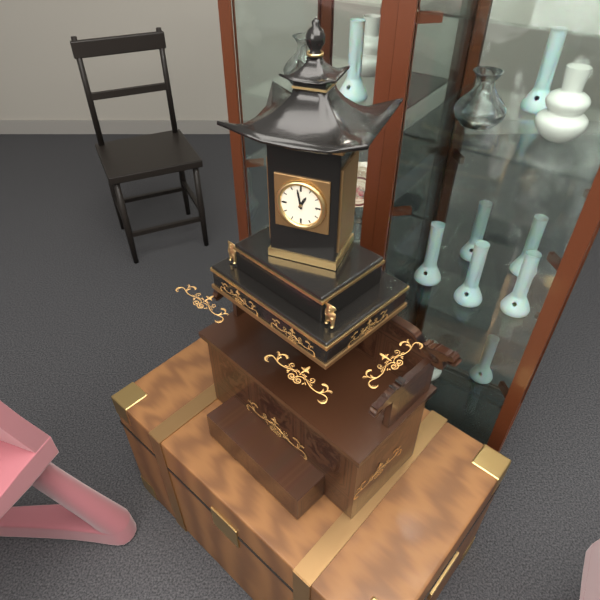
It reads 12,58
